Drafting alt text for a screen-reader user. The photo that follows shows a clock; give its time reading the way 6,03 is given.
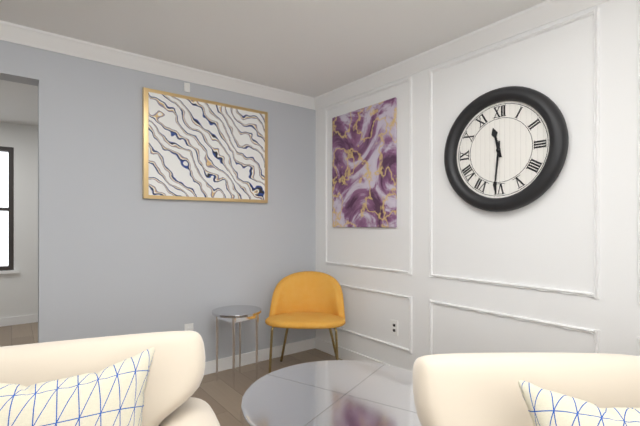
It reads 11,31
